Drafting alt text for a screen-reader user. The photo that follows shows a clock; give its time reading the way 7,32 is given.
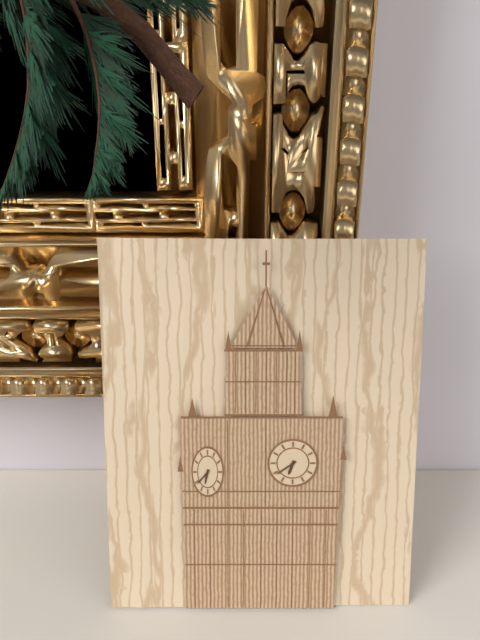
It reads 6,39
